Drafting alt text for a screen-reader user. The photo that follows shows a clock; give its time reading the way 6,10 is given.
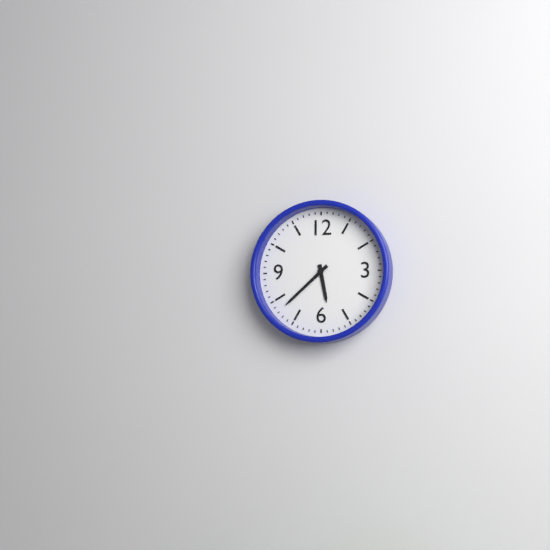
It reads 5,38
